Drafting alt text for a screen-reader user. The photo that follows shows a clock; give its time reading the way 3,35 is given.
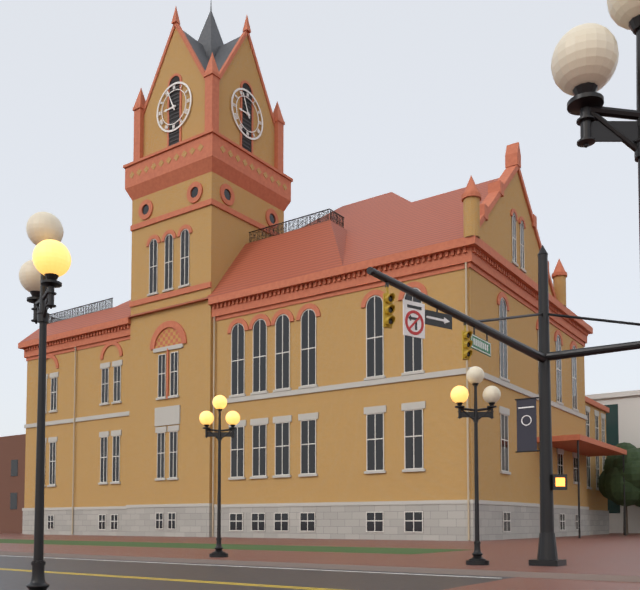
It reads 8,56
